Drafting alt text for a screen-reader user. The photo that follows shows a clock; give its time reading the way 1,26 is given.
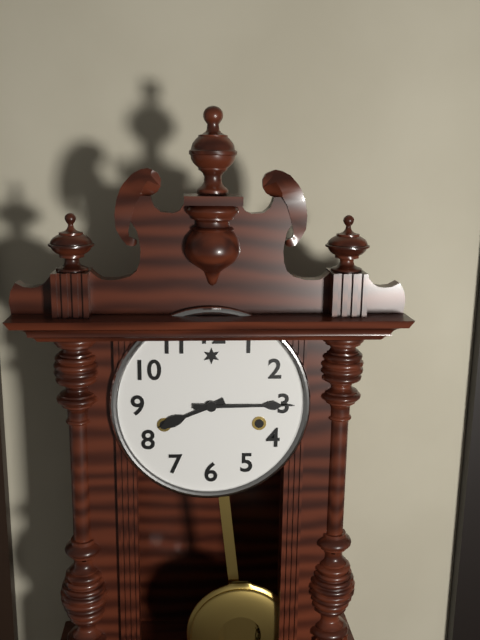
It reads 8,15
